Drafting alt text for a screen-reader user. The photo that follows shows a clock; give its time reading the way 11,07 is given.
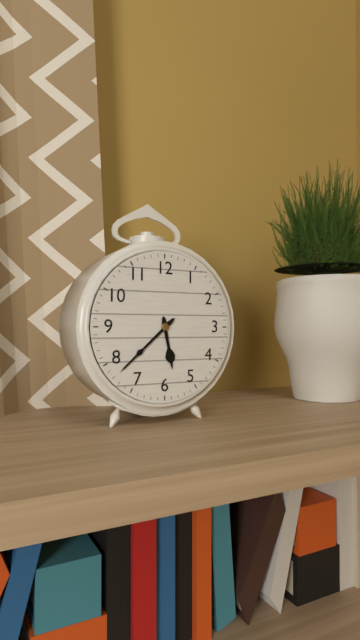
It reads 5,38
